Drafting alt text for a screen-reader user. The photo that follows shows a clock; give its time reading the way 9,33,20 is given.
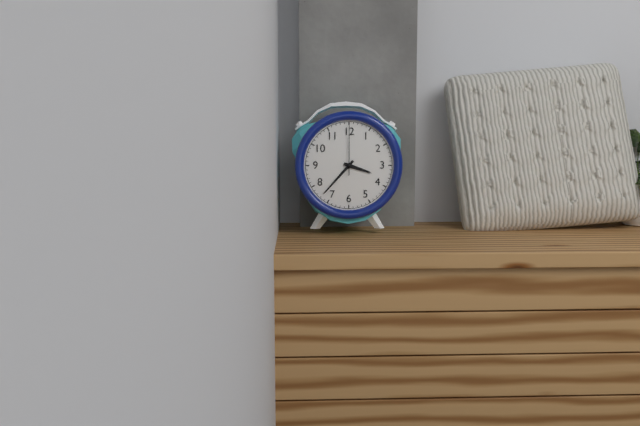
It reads 3,37,00
